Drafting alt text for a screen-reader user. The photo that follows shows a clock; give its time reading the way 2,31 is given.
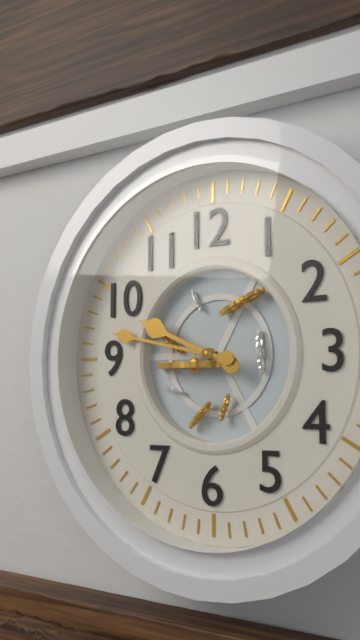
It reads 9,47
